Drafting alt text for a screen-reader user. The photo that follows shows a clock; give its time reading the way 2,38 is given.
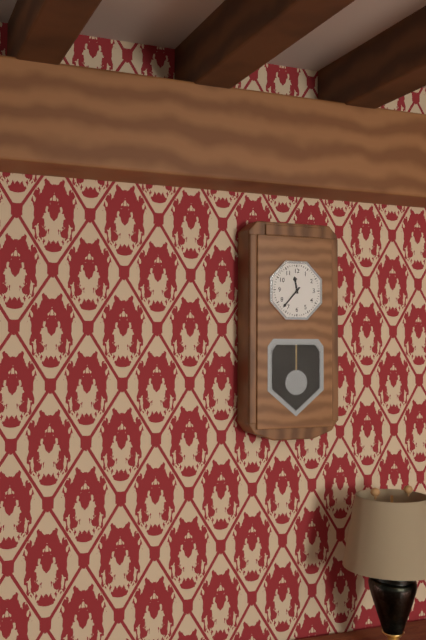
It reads 11,37
